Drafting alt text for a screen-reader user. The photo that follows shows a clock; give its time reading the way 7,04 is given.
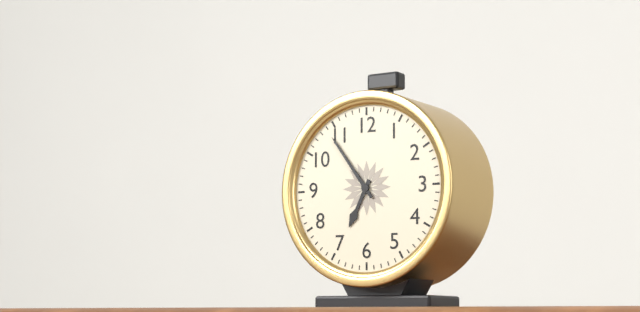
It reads 6,54
